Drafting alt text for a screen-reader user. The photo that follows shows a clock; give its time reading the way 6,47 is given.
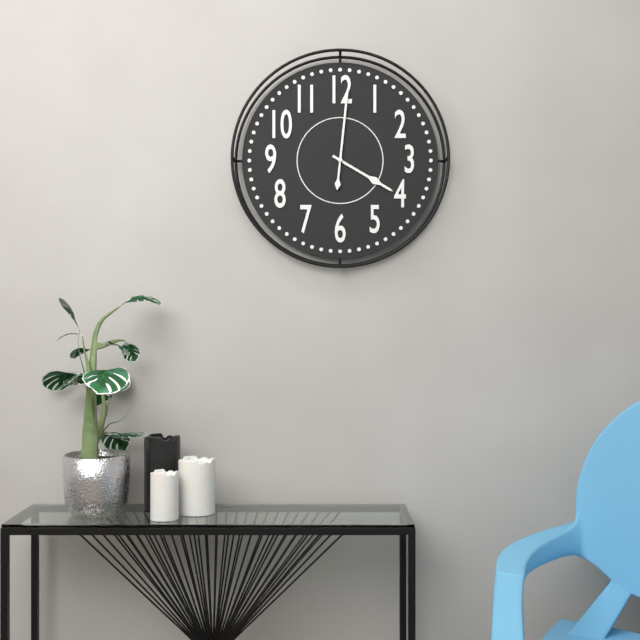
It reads 4,01
